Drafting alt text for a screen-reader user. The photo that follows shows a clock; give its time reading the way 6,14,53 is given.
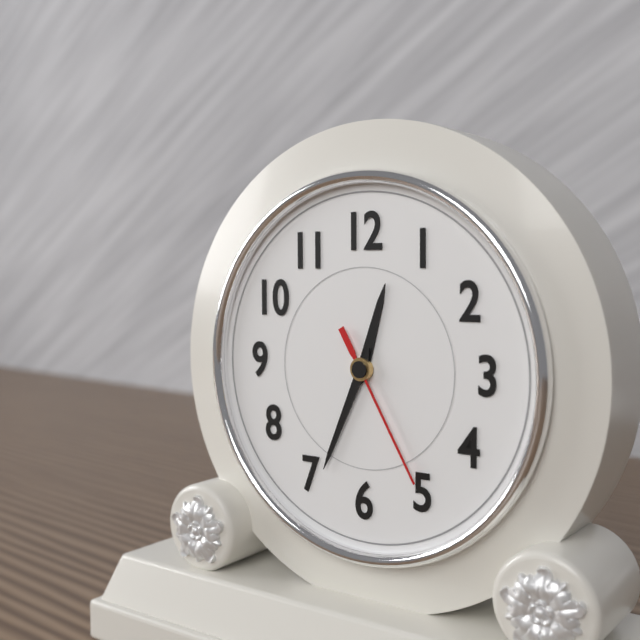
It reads 12,34,25
